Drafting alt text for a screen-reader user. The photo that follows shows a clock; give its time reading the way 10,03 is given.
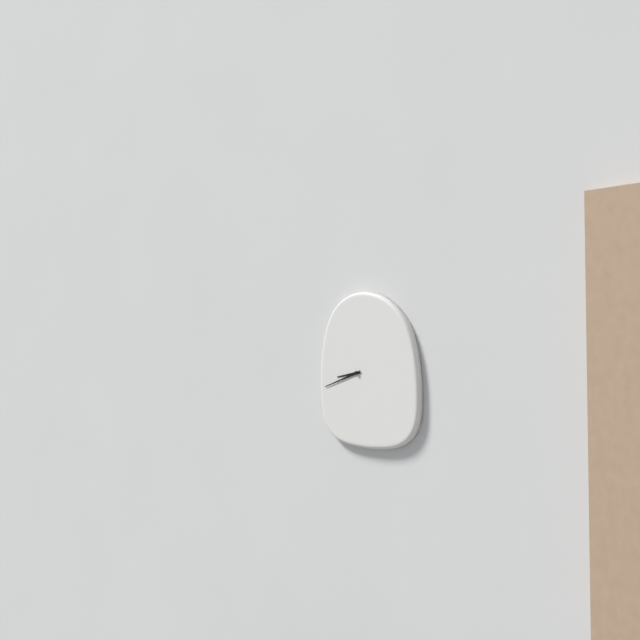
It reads 8,42
